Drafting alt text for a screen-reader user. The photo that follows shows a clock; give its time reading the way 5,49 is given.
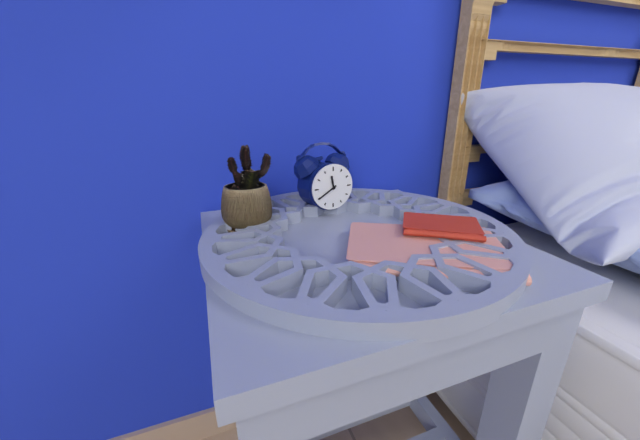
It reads 11,40
